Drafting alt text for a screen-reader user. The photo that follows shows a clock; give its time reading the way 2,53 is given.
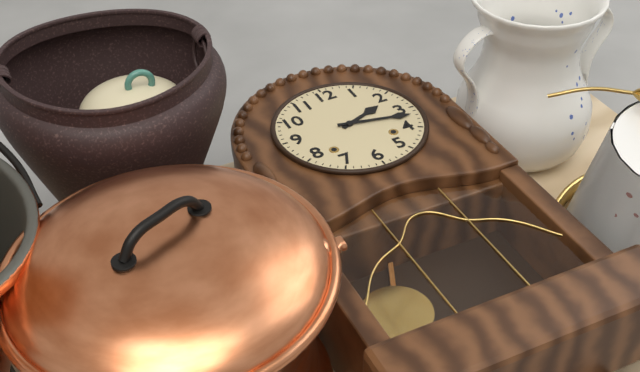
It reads 2,17
